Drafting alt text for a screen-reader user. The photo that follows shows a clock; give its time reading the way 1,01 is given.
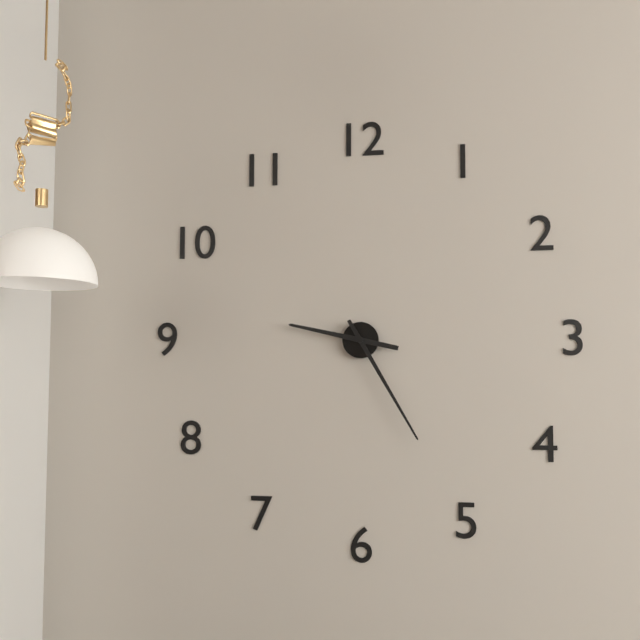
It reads 9,25
